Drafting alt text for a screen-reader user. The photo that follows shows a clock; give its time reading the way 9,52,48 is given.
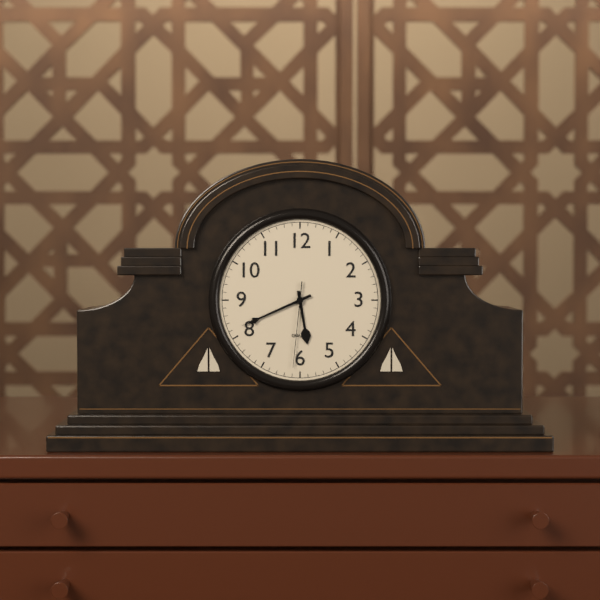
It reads 5,41,31
